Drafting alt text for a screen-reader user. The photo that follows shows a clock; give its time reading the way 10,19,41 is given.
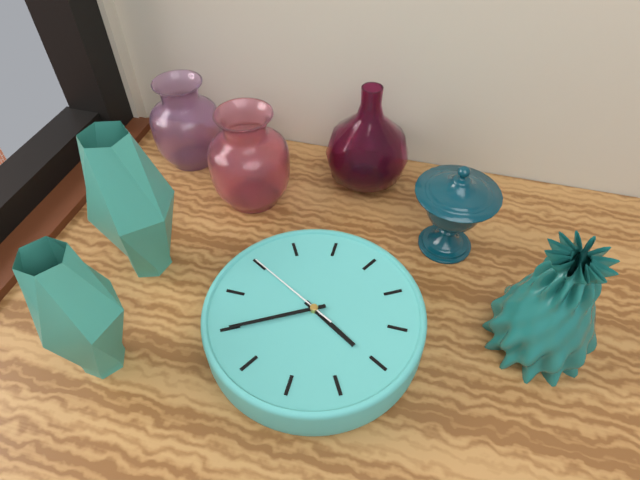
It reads 9,05,15
